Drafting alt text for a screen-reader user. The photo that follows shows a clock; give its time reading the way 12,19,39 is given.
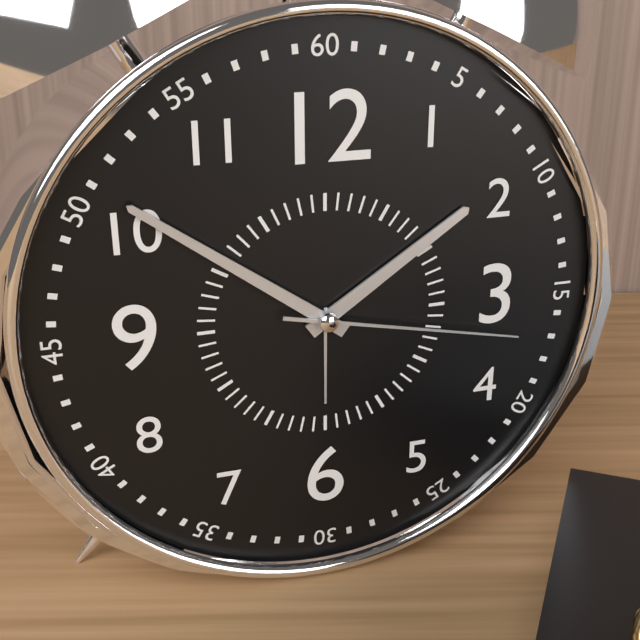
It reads 1,51,17
